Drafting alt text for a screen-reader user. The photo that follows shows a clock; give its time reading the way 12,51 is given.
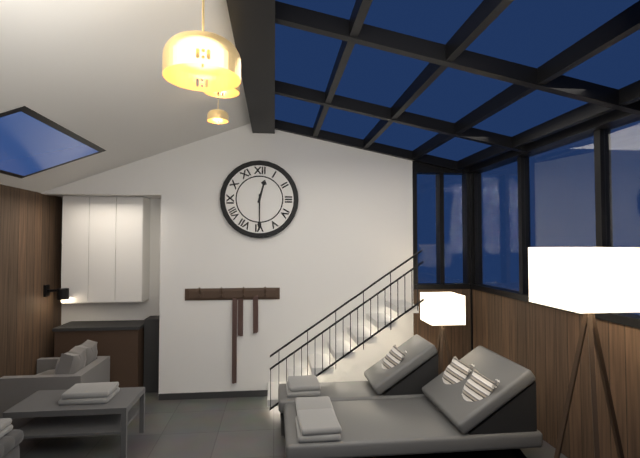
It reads 12,30
